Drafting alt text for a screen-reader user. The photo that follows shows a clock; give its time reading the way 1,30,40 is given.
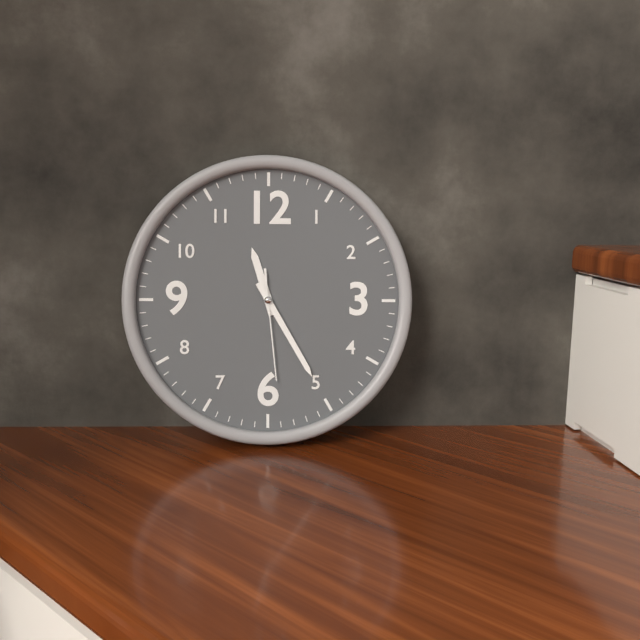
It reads 11,25,29
